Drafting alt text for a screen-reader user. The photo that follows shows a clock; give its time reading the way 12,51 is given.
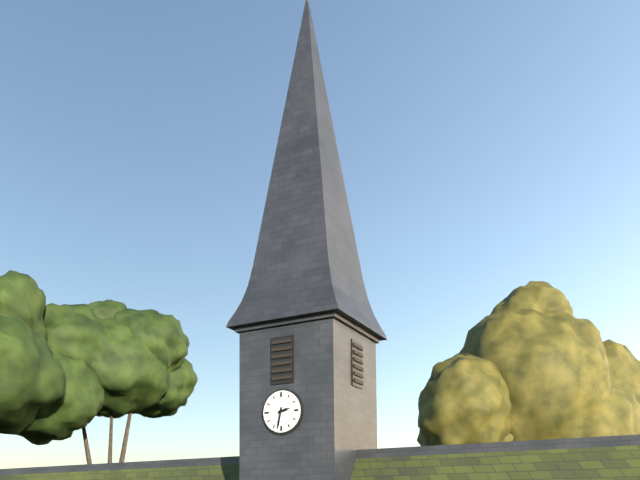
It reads 2,32
